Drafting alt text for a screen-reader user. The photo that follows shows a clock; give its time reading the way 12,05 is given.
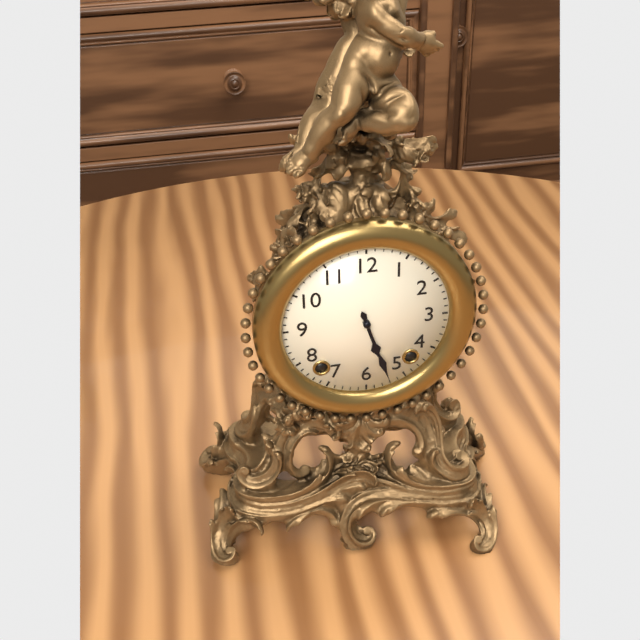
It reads 5,27
